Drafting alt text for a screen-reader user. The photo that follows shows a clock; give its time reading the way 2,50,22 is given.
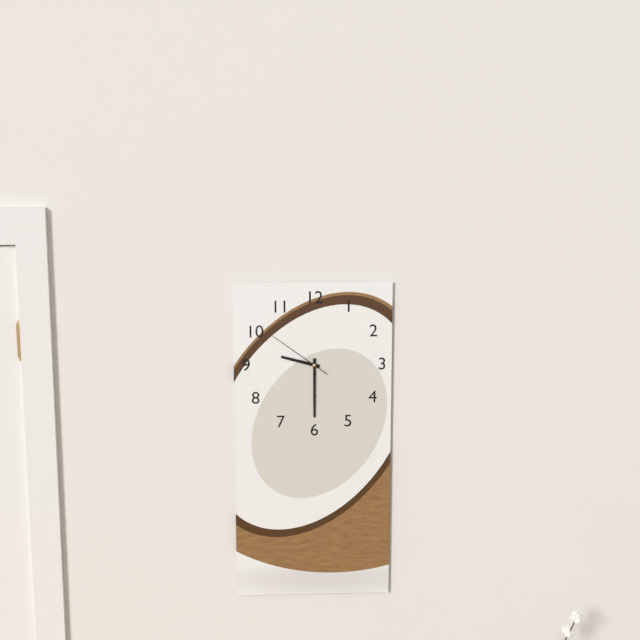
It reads 9,30,51
